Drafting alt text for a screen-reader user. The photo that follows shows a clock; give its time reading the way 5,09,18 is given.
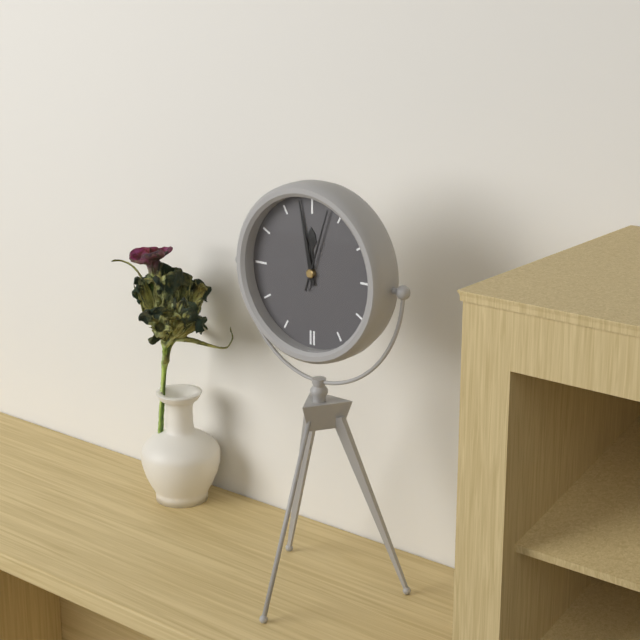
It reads 11,58,03
